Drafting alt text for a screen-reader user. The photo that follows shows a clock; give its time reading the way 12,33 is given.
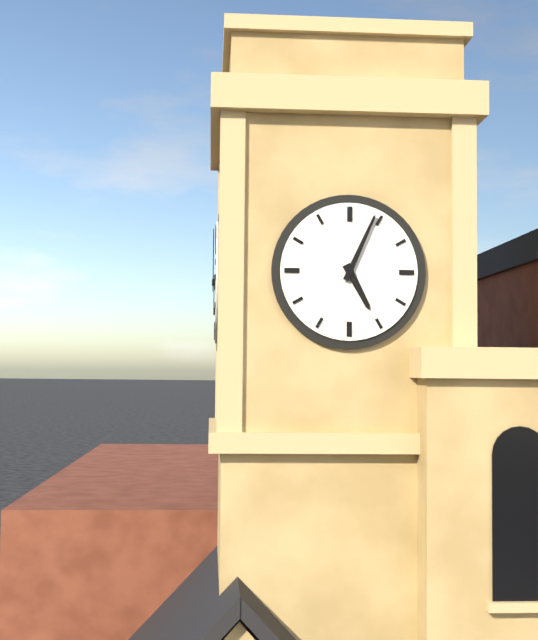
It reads 5,04
